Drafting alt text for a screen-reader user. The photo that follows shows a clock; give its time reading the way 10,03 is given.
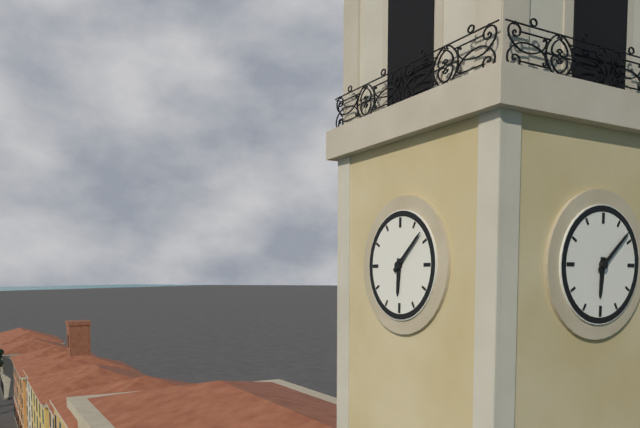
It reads 6,08
